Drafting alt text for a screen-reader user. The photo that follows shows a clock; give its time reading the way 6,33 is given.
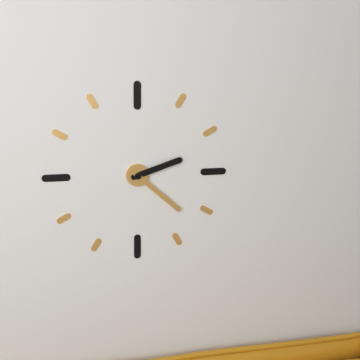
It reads 2,22
